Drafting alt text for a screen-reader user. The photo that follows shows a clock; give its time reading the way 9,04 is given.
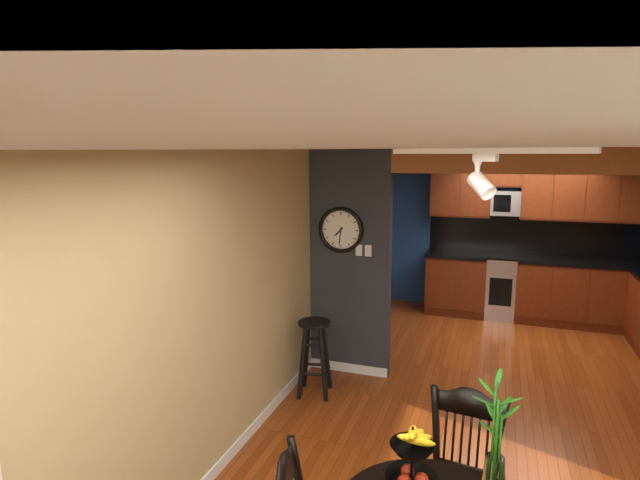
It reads 7,31
